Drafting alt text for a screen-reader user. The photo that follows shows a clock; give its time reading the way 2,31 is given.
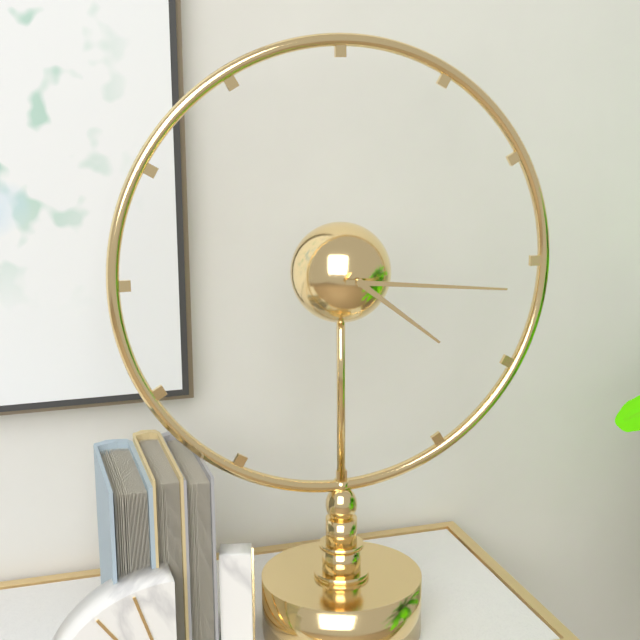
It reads 4,16
